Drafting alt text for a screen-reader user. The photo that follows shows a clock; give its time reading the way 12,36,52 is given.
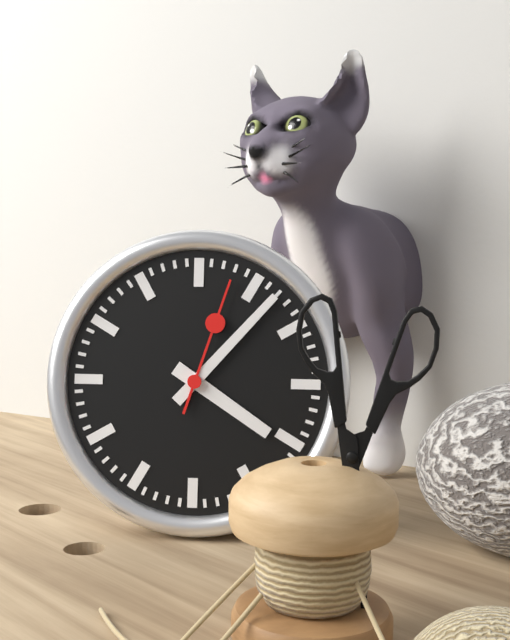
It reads 4,07,03
